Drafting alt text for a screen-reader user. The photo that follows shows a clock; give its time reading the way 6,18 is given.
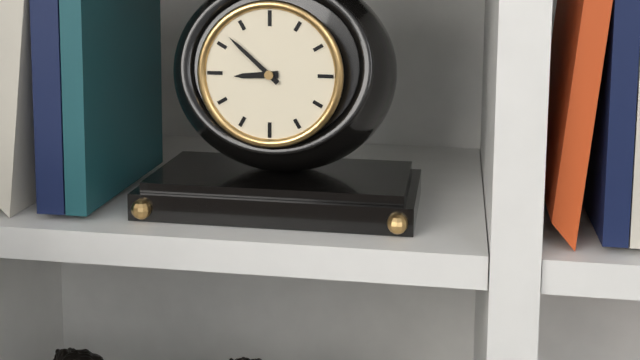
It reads 8,52
